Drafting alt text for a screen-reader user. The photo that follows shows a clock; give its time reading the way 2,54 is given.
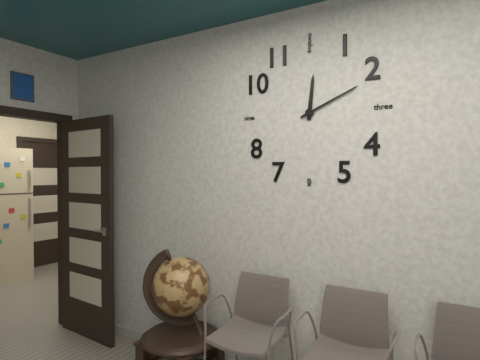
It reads 12,11
